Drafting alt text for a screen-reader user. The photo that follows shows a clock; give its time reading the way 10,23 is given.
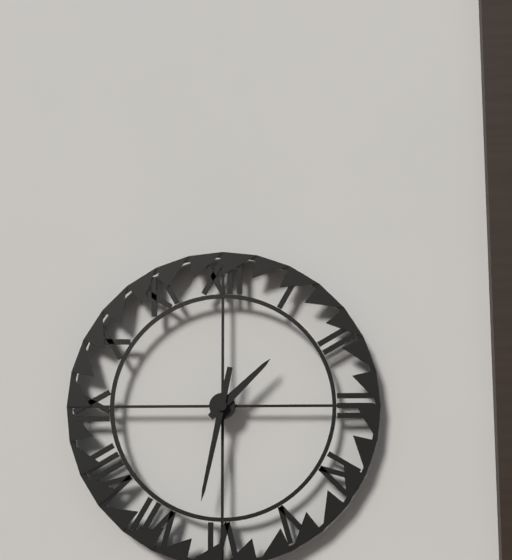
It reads 1,32
